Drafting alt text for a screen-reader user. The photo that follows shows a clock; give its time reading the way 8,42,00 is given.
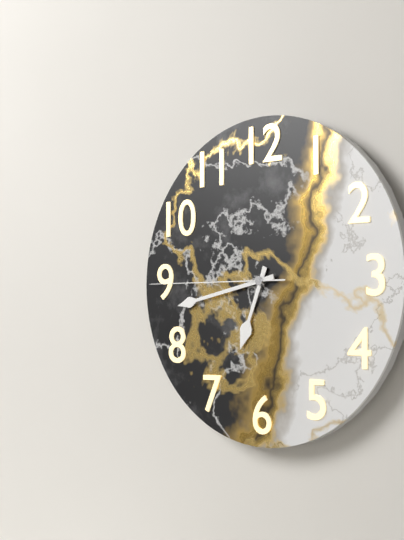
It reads 6,43,45
